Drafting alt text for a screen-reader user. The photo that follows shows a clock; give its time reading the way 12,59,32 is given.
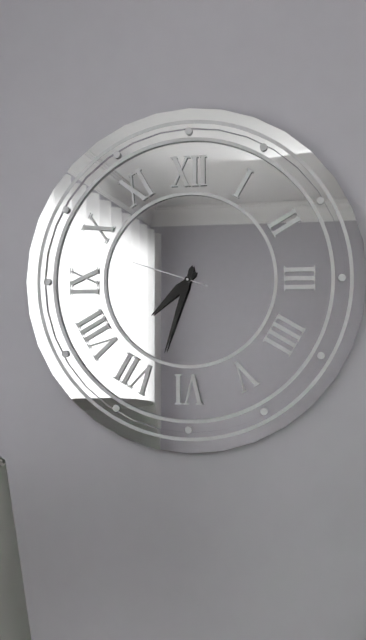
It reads 7,33,48
